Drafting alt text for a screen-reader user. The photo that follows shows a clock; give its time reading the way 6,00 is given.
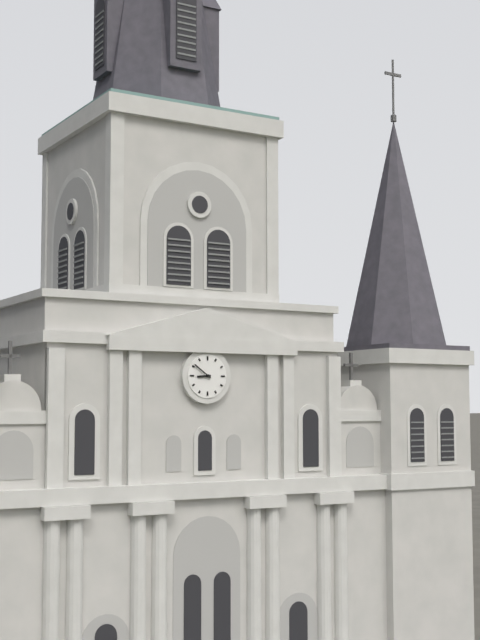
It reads 8,51
